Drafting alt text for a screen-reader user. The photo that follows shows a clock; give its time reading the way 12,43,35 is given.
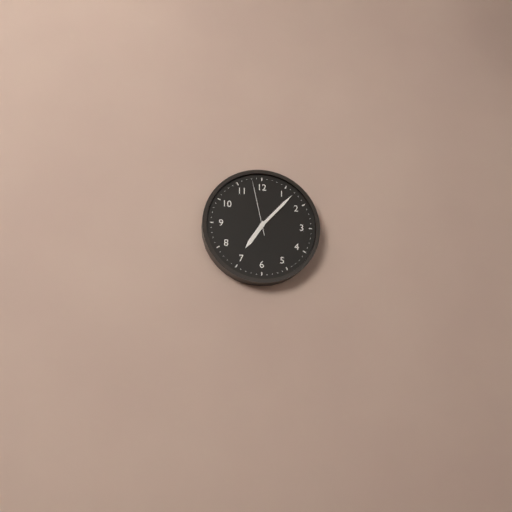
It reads 7,07,58
